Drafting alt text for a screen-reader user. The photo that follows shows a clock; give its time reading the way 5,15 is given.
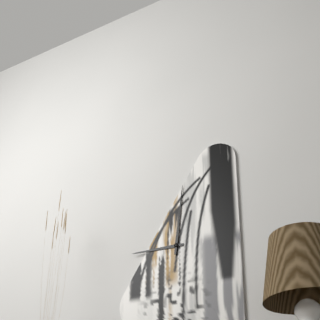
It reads 9,01
